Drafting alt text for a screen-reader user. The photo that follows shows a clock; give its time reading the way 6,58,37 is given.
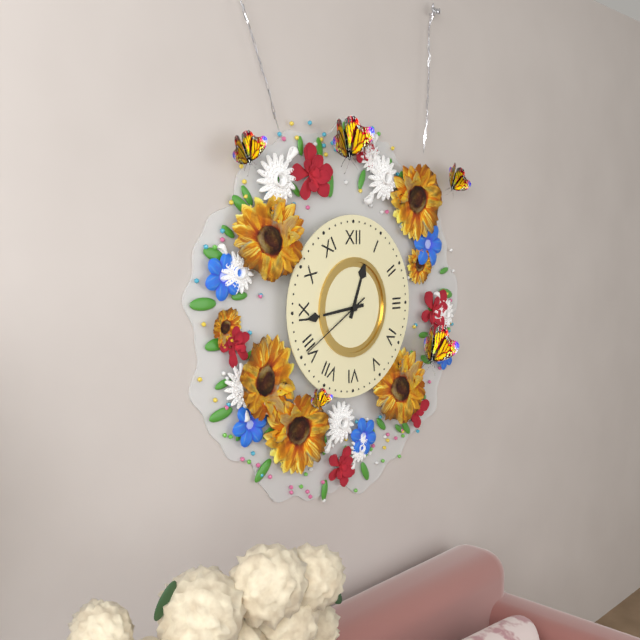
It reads 12,44,40
